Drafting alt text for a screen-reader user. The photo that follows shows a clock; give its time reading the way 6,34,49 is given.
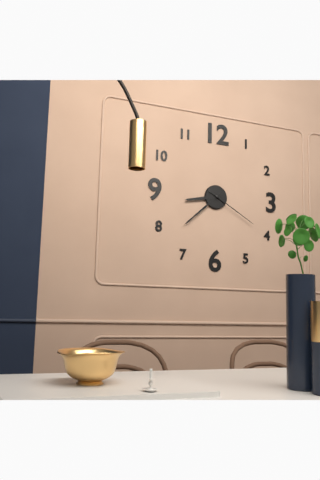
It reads 8,38,20
